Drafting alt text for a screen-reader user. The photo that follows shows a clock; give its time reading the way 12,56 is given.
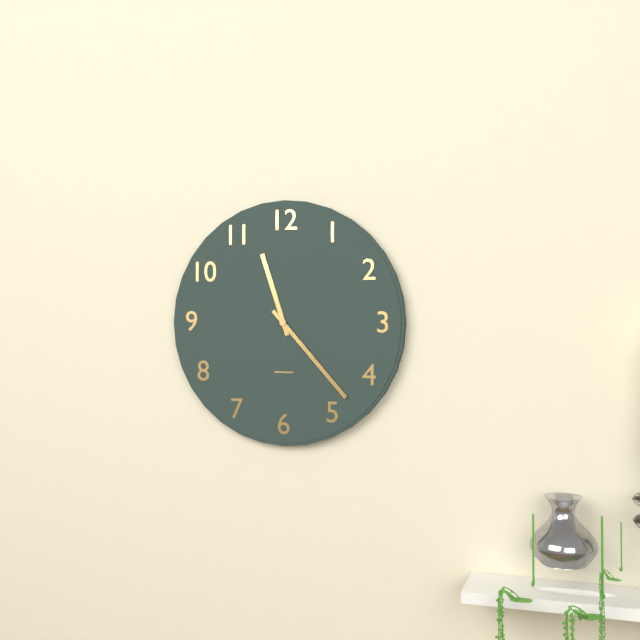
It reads 11,23
